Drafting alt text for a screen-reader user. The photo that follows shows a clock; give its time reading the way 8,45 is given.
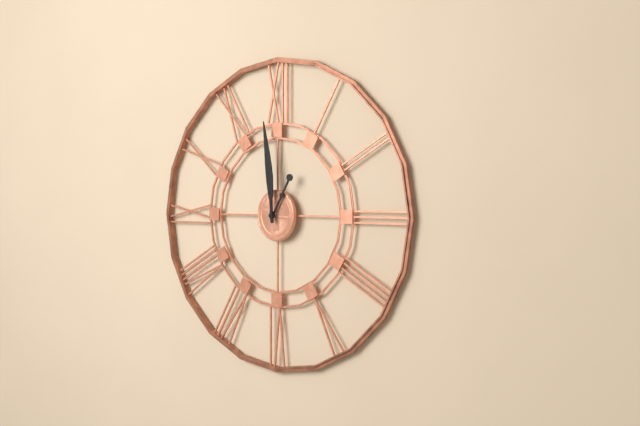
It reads 12,59
